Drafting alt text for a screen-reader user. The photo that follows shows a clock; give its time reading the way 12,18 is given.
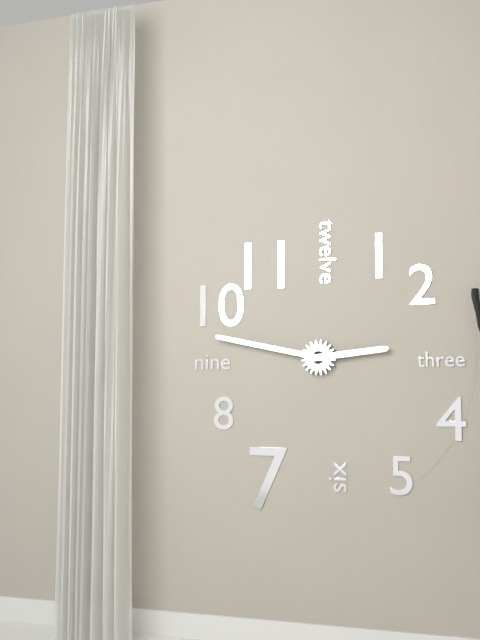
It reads 2,47
